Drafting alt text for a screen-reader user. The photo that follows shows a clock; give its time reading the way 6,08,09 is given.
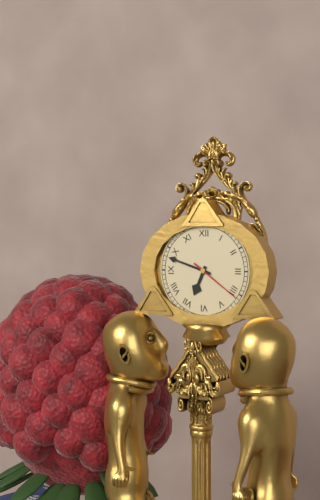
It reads 6,48,21
